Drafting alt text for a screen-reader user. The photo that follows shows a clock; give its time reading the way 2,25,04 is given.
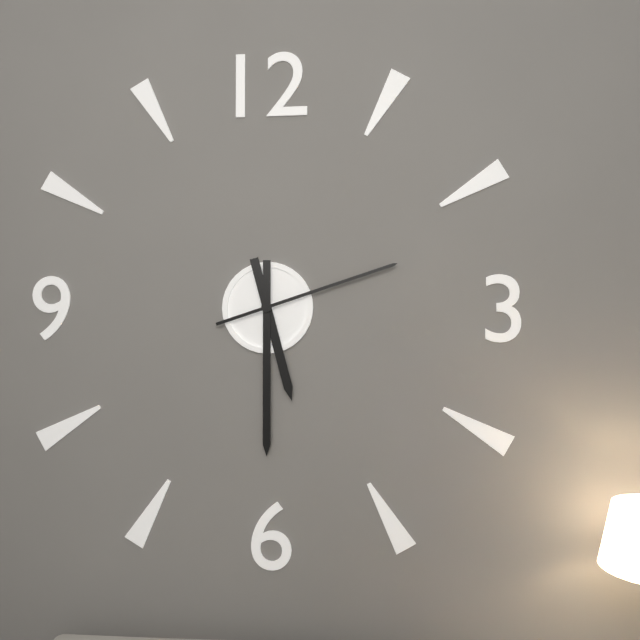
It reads 5,30,12
